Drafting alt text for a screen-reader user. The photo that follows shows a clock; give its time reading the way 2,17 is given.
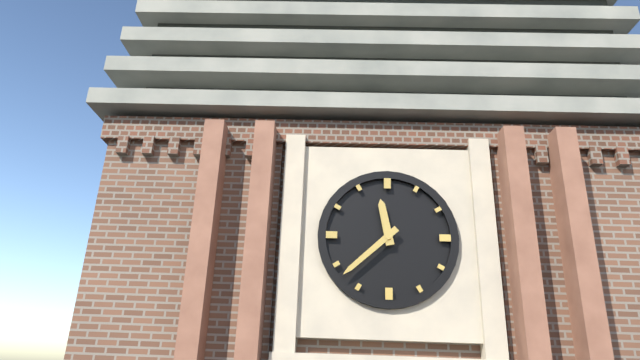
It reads 11,38
